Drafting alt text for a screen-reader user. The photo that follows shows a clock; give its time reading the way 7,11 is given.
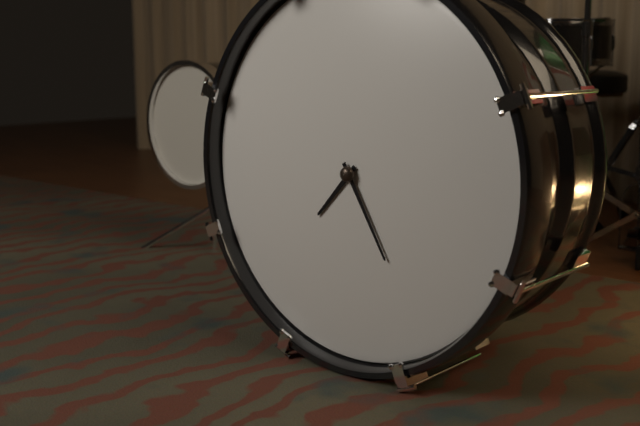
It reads 7,25
